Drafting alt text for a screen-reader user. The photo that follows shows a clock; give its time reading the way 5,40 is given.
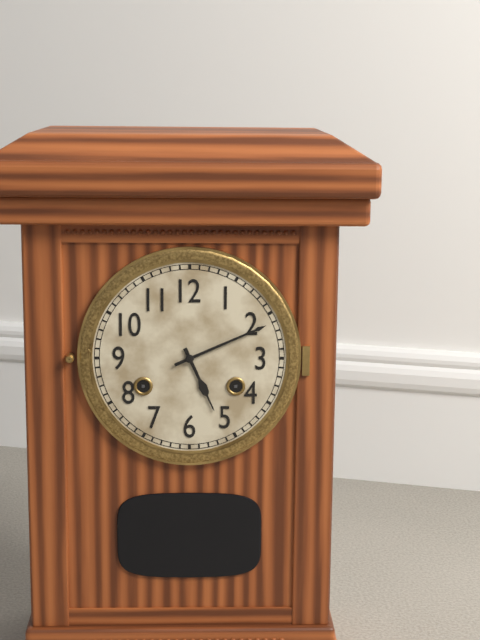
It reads 5,11
